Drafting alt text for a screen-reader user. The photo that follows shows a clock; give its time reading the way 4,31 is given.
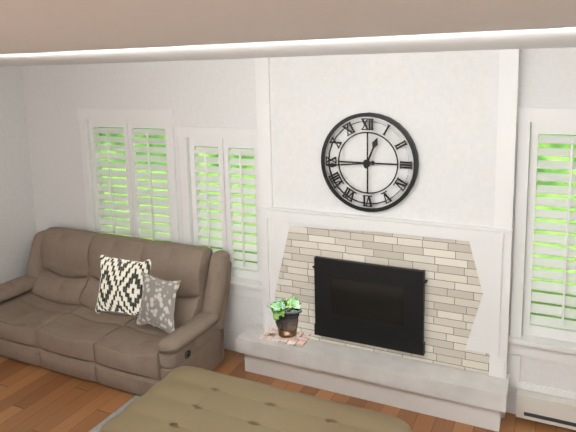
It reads 12,44
